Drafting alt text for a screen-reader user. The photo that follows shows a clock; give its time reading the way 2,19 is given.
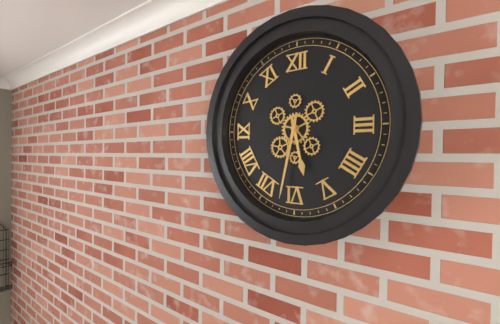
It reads 5,32
